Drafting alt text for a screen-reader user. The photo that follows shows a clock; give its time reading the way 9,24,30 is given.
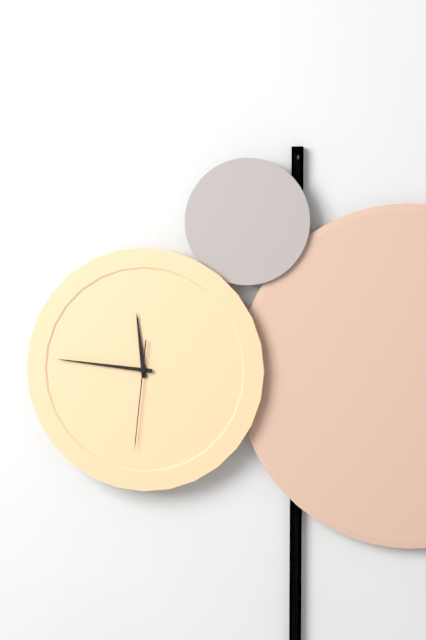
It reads 11,46,31
